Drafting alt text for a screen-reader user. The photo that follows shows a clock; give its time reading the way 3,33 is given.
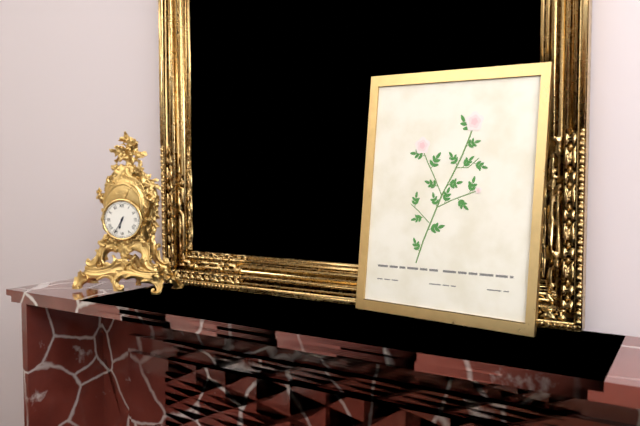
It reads 6,35
